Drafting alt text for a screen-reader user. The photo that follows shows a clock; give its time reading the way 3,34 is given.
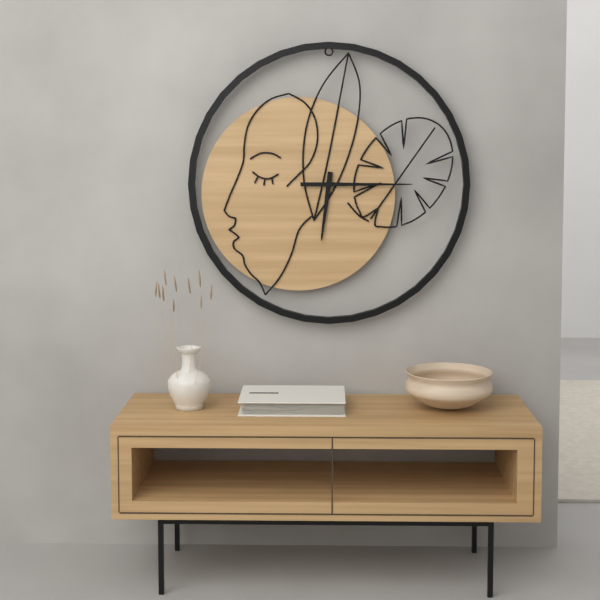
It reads 6,15
